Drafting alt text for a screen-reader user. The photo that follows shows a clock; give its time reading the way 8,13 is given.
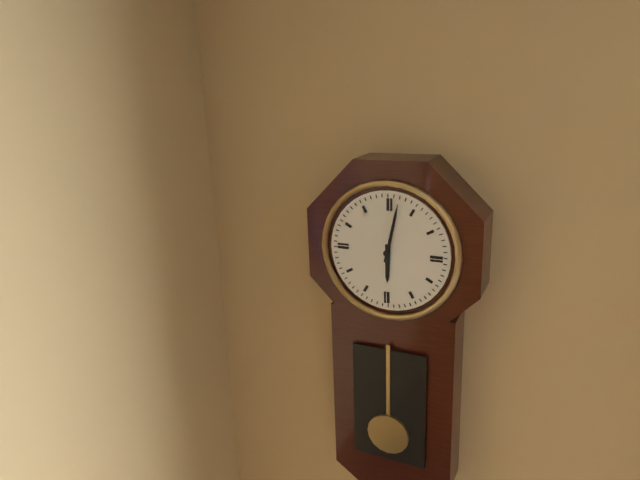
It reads 6,02
